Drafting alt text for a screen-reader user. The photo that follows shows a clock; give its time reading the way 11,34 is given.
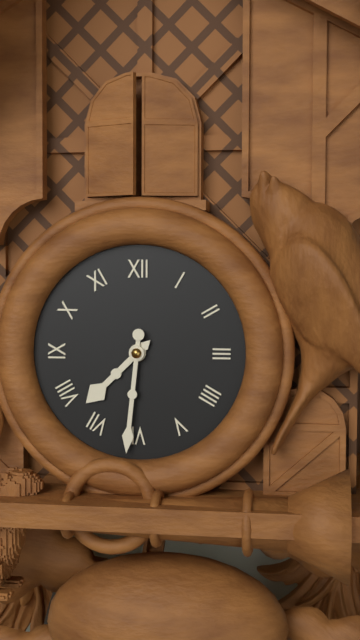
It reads 7,31
